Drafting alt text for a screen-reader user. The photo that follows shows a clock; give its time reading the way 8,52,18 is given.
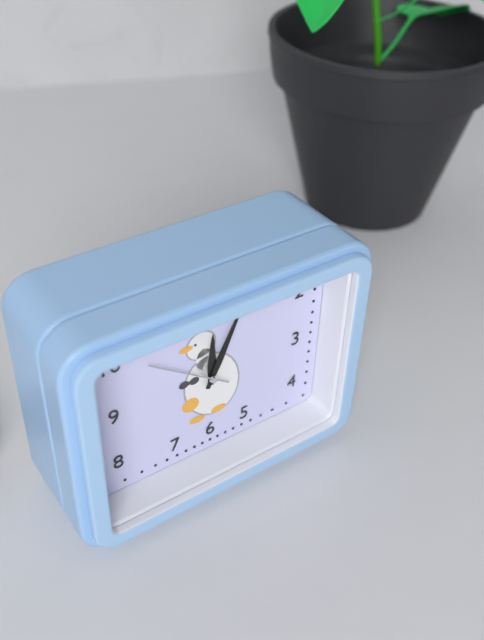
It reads 12,04,51
